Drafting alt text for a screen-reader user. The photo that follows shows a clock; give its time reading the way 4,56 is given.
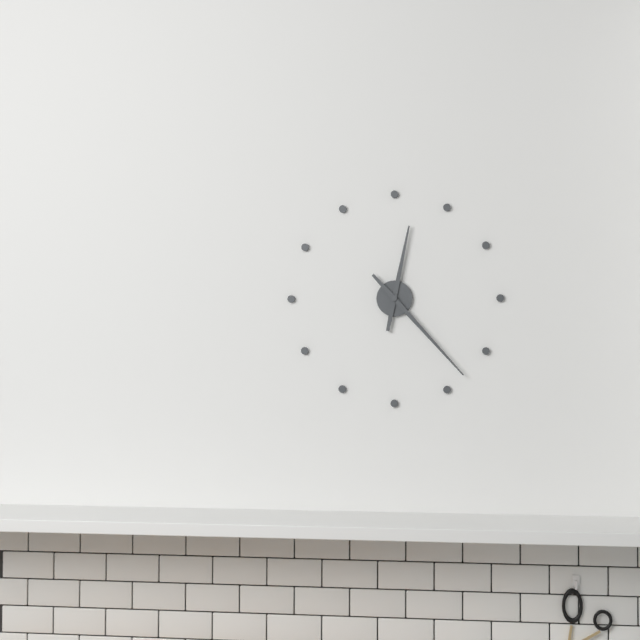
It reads 12,23
